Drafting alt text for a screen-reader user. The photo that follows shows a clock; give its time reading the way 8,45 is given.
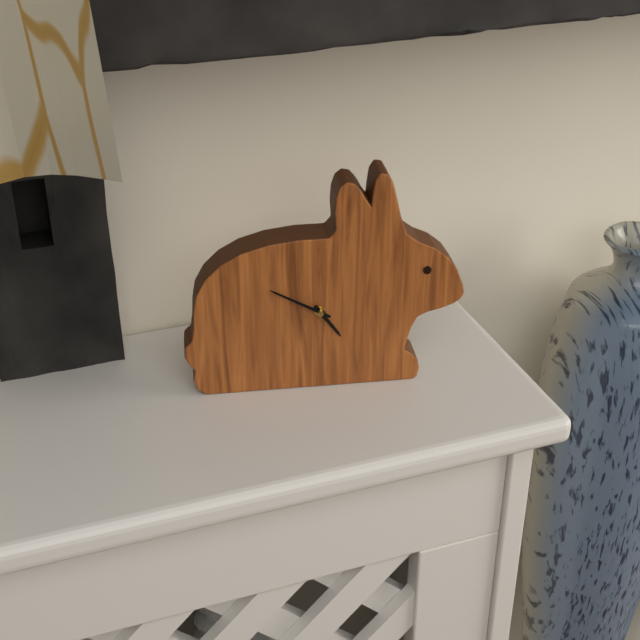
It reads 4,50
